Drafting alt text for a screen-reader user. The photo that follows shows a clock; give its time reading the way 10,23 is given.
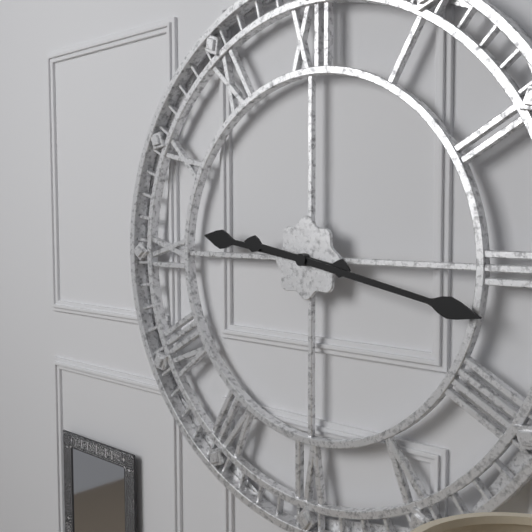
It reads 9,17
